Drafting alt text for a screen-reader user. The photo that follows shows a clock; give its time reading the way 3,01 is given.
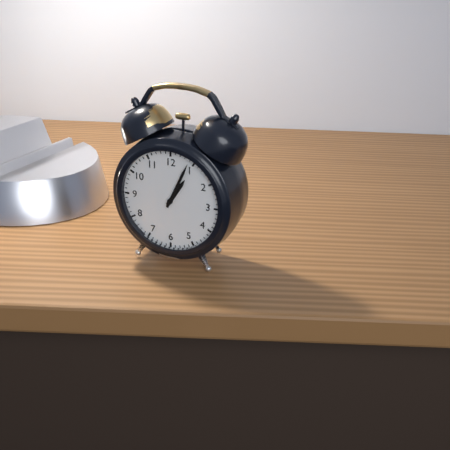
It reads 1,04
